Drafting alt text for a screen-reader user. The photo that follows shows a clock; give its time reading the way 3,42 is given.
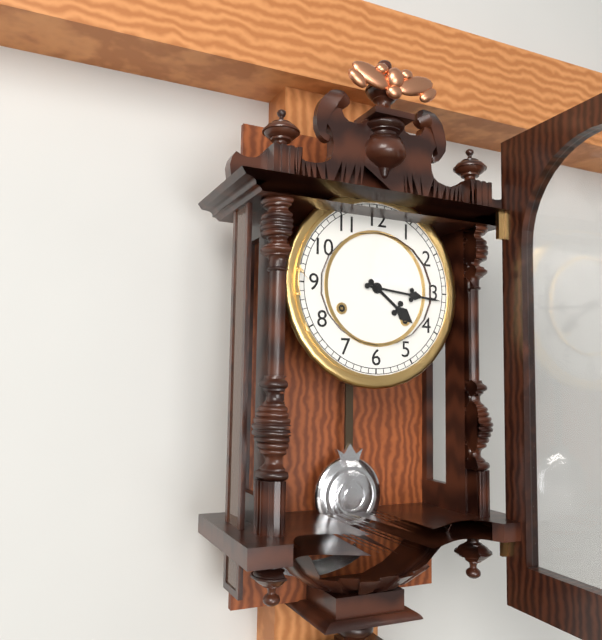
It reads 4,16
